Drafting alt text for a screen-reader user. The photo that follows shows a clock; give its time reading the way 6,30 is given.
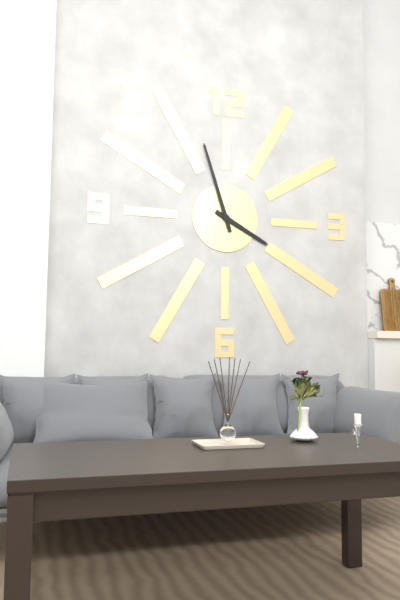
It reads 3,57
